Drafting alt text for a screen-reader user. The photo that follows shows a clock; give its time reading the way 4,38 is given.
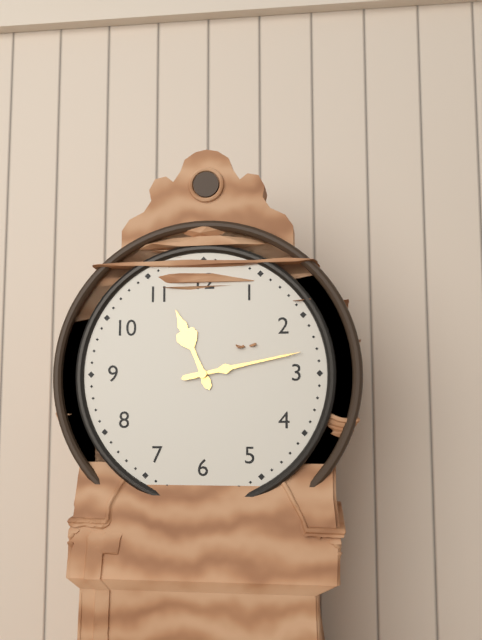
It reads 11,13
